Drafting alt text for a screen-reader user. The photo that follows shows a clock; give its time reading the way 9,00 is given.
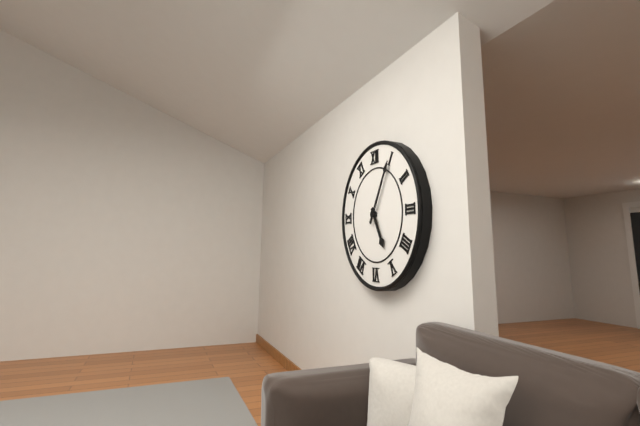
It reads 5,05
